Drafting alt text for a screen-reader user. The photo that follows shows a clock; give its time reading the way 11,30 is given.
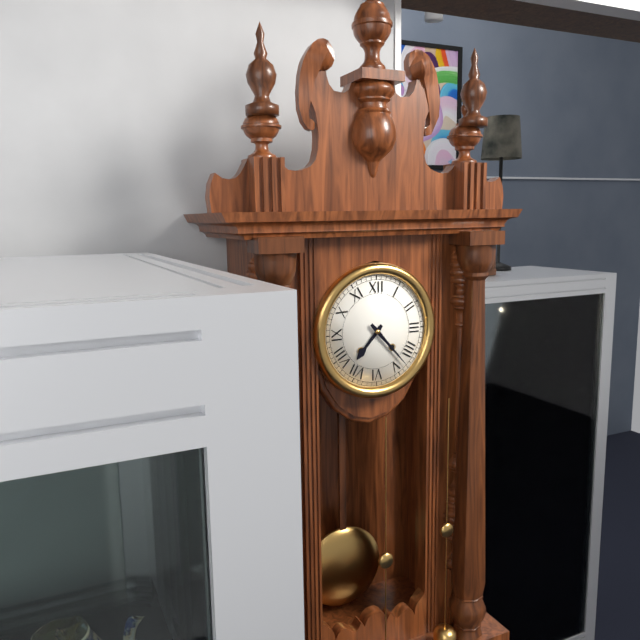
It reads 7,23
